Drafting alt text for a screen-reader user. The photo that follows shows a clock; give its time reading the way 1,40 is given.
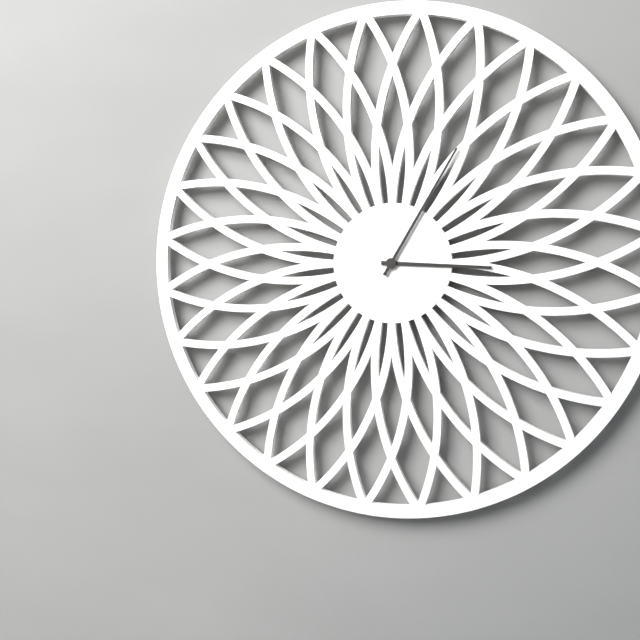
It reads 3,05
